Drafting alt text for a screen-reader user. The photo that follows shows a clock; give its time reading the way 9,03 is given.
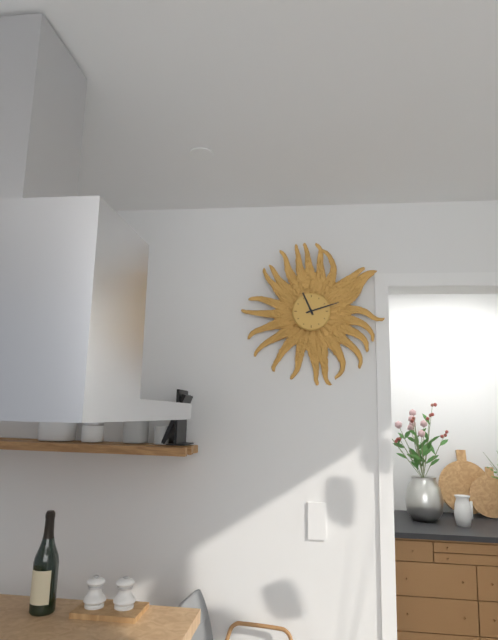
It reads 11,12
